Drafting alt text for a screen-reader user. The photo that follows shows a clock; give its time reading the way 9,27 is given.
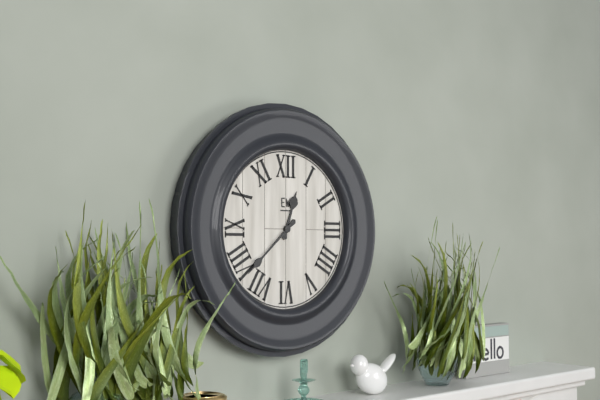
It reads 12,38
